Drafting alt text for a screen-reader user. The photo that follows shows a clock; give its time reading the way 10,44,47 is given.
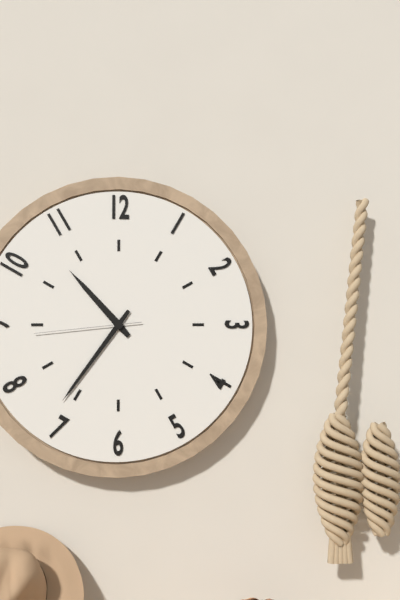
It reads 10,36,44
